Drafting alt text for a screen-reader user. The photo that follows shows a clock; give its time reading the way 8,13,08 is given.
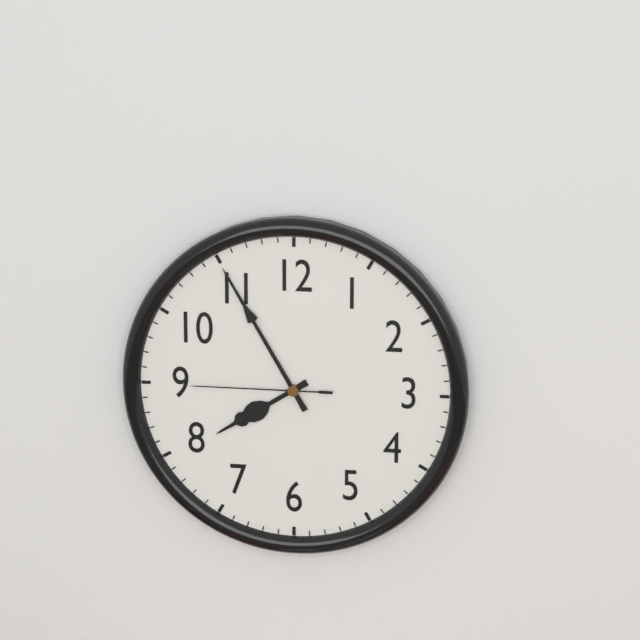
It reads 7,55,45
